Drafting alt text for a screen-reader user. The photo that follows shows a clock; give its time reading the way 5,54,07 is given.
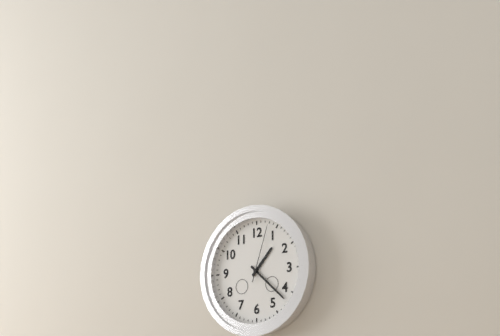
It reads 1,22,03
